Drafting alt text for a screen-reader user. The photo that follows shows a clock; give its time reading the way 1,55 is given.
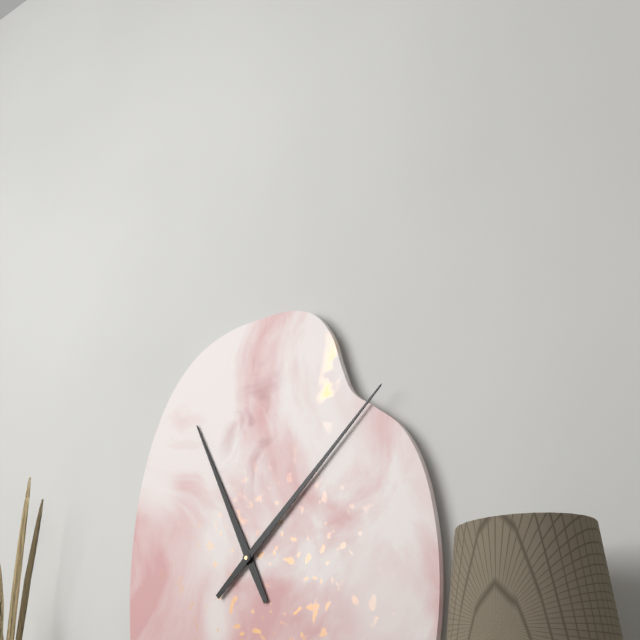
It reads 11,08
